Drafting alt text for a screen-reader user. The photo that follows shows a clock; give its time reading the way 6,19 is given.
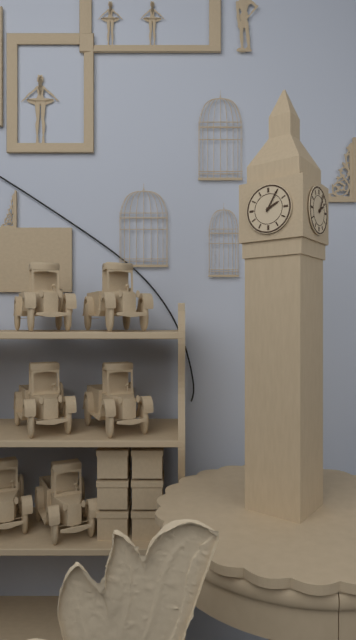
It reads 2,05
